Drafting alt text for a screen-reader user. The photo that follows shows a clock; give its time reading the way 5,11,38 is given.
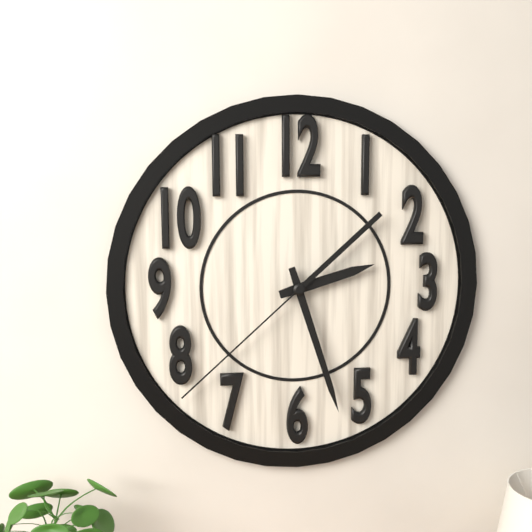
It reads 2,27,38
